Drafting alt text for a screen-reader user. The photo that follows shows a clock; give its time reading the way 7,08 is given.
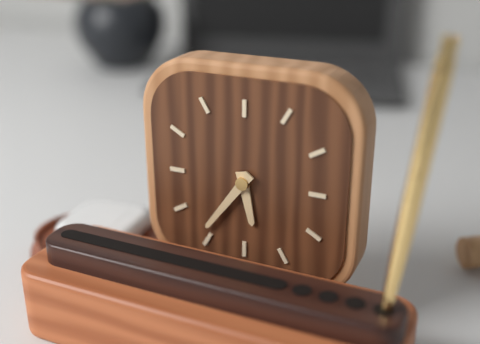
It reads 5,36
